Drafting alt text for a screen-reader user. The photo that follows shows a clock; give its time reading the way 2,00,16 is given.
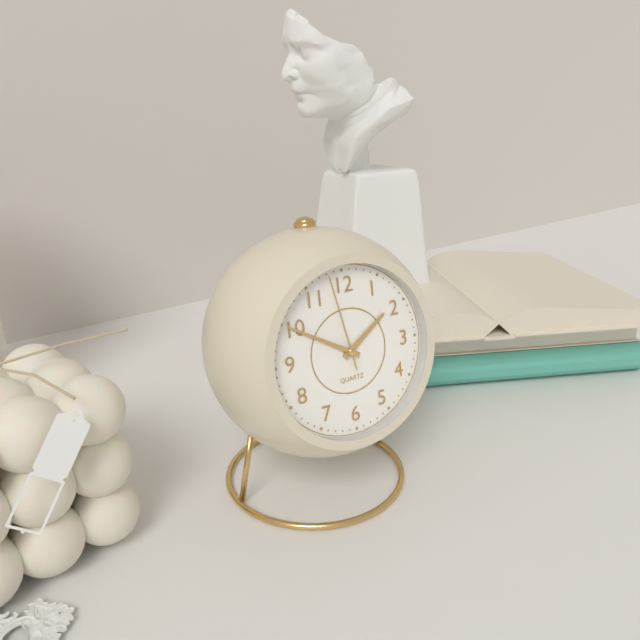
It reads 1,50,58
